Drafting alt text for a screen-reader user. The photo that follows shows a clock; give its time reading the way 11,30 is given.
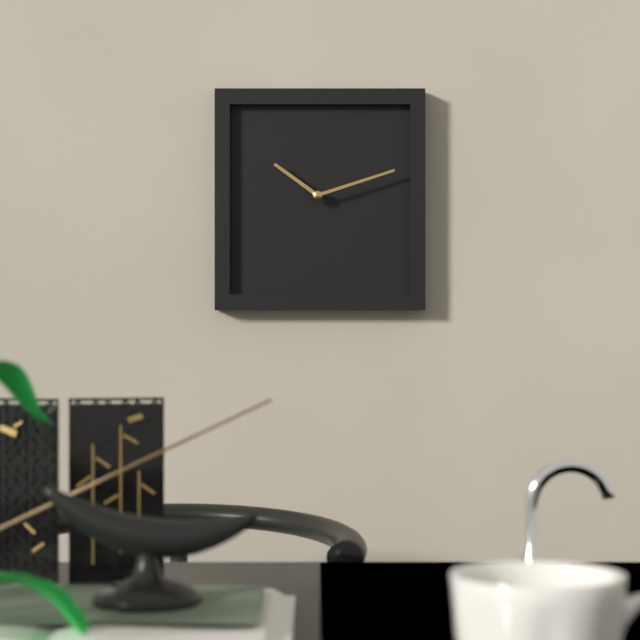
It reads 10,12
